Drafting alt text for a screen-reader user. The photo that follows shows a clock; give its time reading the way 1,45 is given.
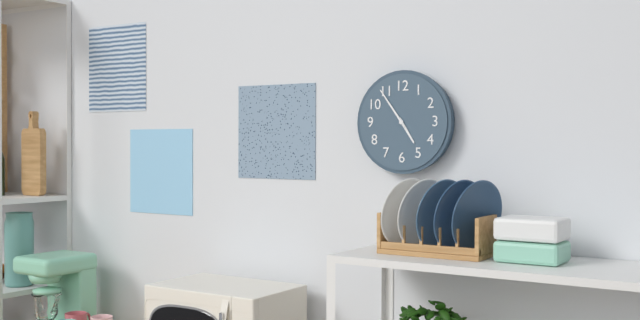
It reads 4,54
